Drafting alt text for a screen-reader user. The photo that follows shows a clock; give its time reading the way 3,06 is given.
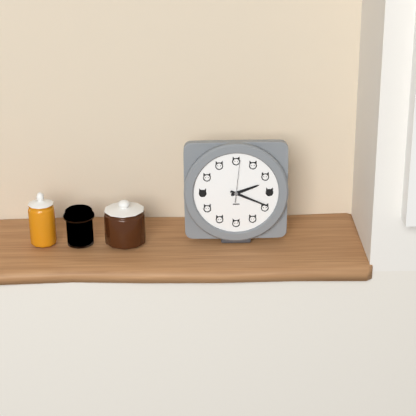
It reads 2,19
